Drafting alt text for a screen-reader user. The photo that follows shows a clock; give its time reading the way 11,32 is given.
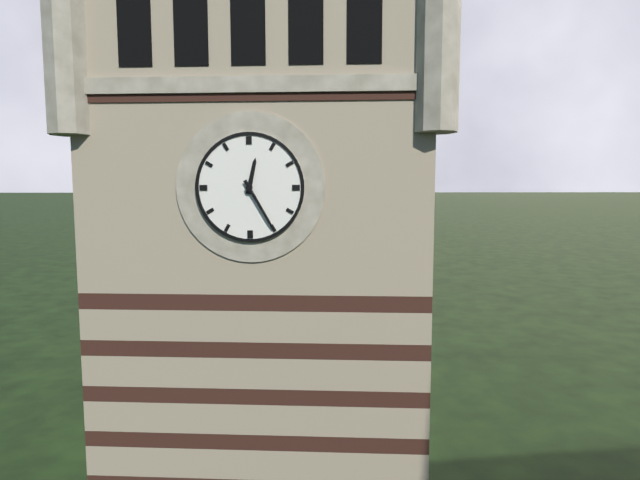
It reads 12,25
